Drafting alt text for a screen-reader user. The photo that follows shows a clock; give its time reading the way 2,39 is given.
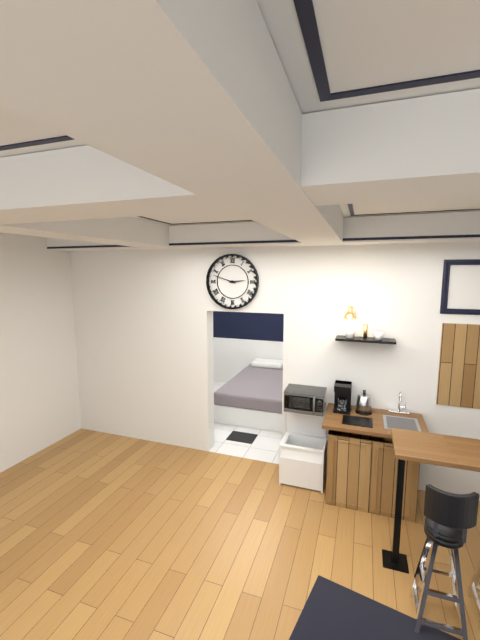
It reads 2,48
